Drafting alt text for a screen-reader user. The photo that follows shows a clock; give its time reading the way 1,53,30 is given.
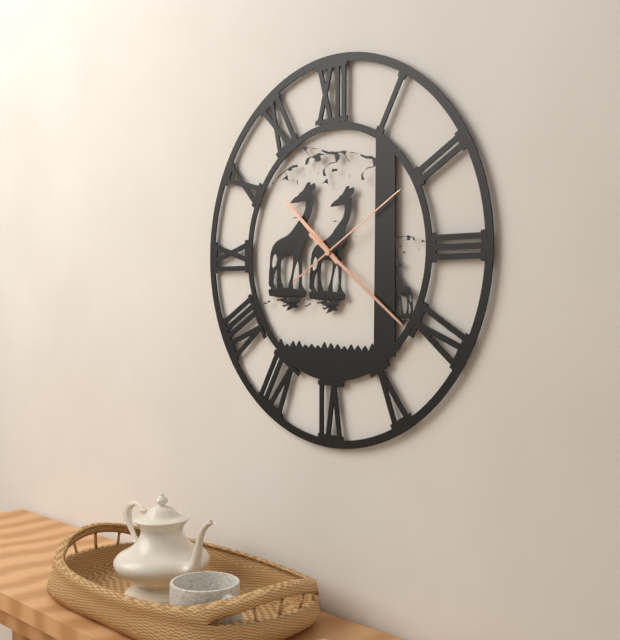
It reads 10,21,10
